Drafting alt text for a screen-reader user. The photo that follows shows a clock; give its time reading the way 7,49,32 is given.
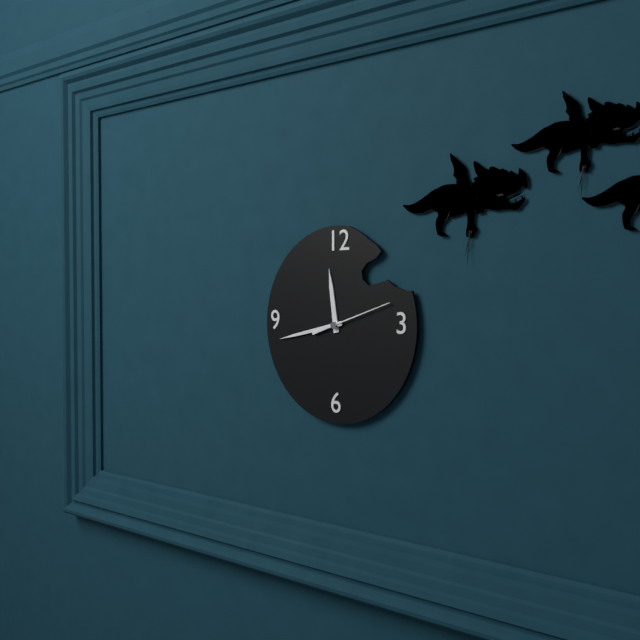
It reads 11,43,12
